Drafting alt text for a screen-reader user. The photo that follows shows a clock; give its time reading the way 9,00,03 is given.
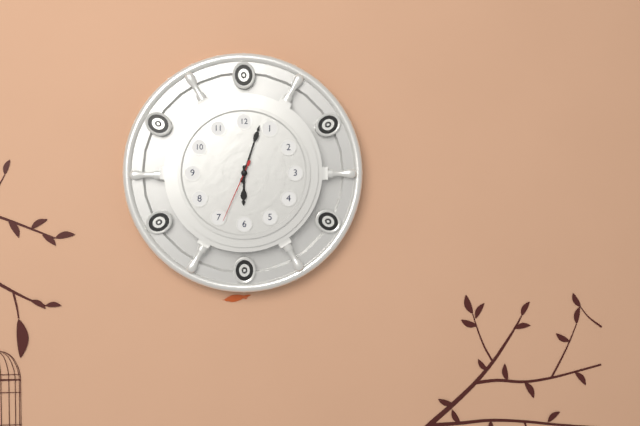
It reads 6,03,34
